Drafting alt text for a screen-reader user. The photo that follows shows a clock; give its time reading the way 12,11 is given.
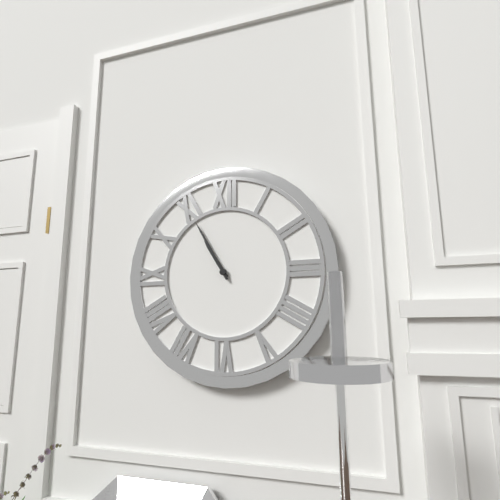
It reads 10,55
